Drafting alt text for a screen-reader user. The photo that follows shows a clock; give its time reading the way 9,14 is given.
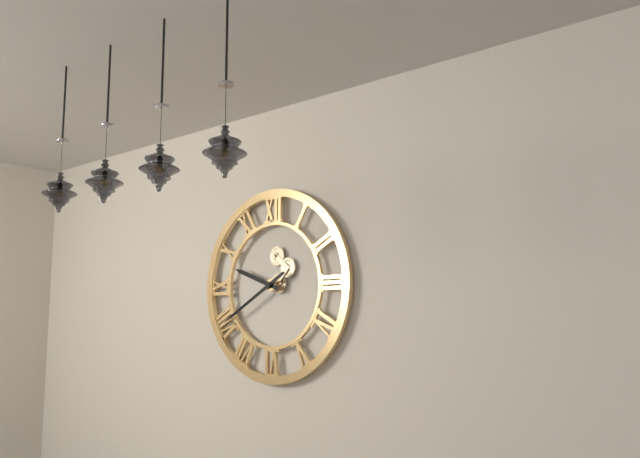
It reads 9,40
